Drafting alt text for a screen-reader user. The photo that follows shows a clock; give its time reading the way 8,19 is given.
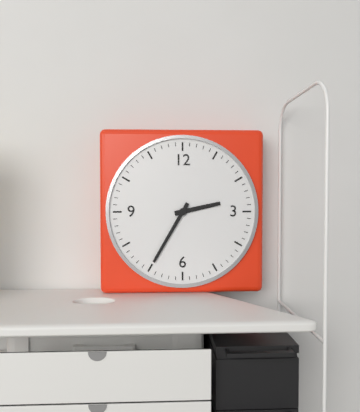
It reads 2,35
